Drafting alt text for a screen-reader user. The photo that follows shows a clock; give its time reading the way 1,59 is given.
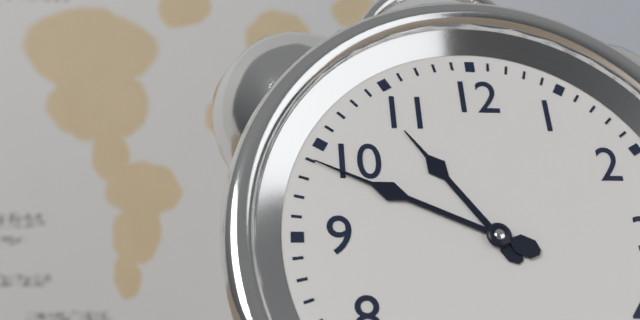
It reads 10,49
